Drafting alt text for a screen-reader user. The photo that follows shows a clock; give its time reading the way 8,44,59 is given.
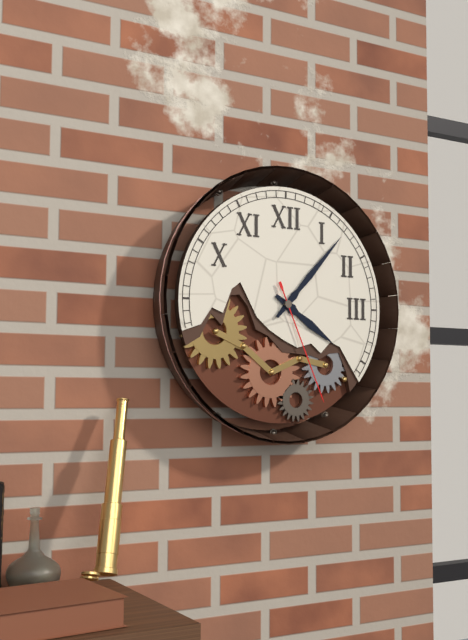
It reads 4,07,26
